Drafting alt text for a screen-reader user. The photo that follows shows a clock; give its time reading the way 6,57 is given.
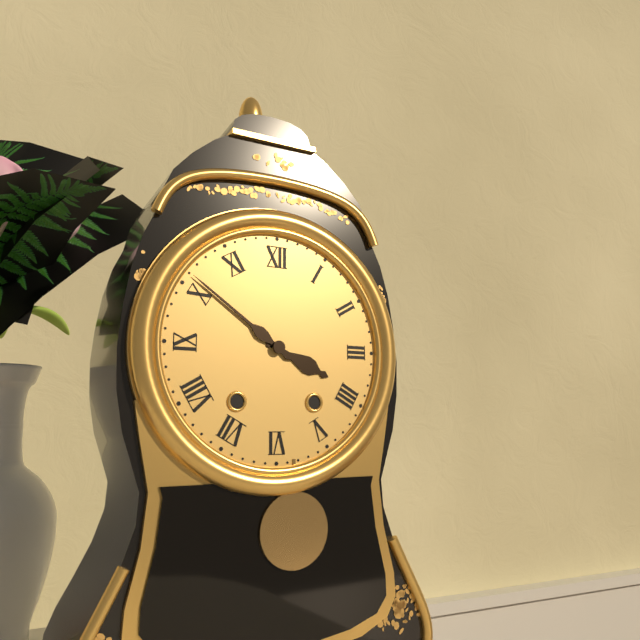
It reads 3,51
